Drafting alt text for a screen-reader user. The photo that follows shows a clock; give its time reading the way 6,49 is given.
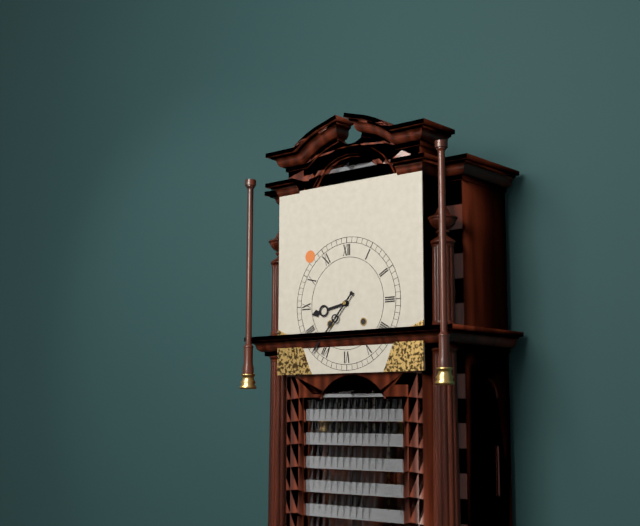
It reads 8,37
